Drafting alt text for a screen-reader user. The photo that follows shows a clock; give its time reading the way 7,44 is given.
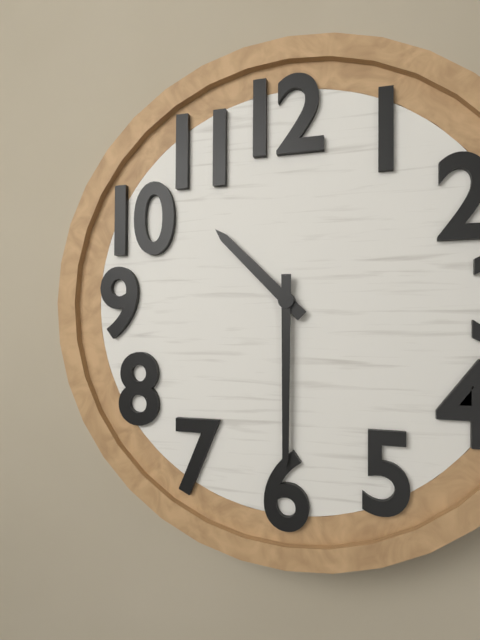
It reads 10,30
